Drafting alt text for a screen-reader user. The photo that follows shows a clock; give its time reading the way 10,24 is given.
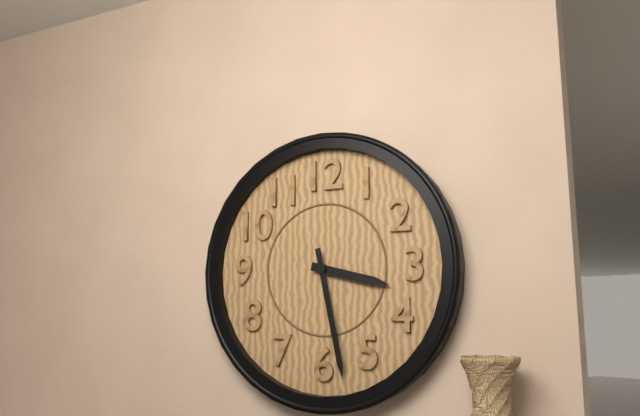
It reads 3,28
